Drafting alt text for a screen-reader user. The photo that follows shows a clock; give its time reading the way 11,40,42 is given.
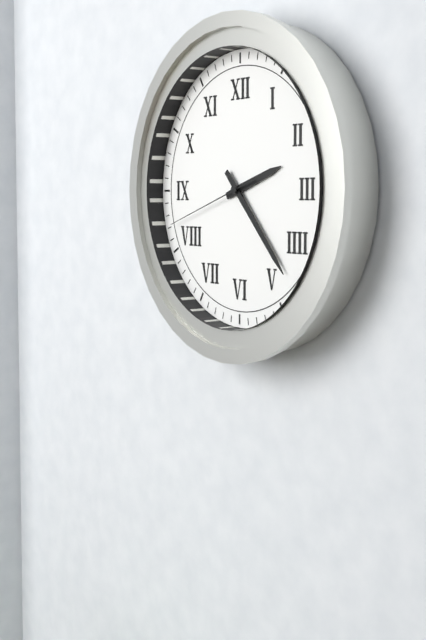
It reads 2,23,42
